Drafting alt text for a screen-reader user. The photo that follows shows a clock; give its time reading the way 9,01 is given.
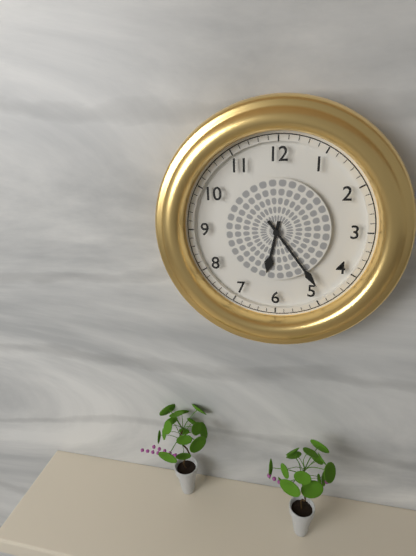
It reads 6,24
